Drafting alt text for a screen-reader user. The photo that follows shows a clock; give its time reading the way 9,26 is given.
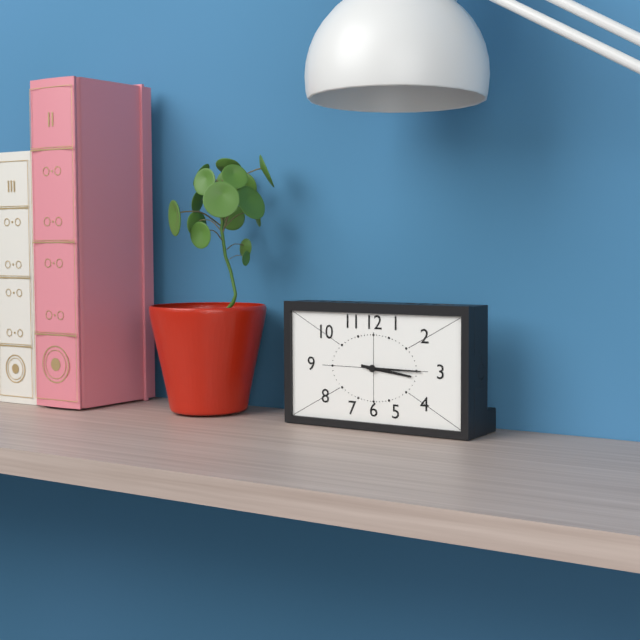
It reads 3,15
